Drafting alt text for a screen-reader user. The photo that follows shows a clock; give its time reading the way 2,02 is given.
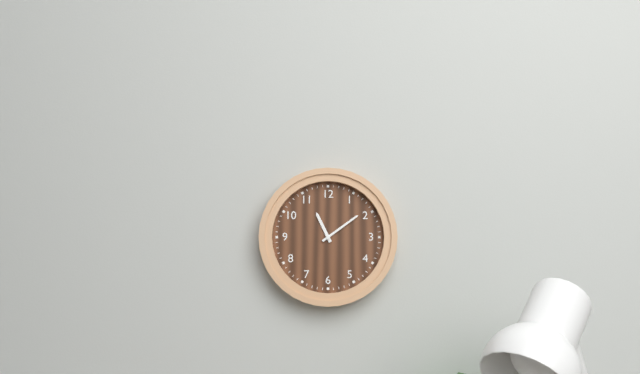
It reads 11,09
